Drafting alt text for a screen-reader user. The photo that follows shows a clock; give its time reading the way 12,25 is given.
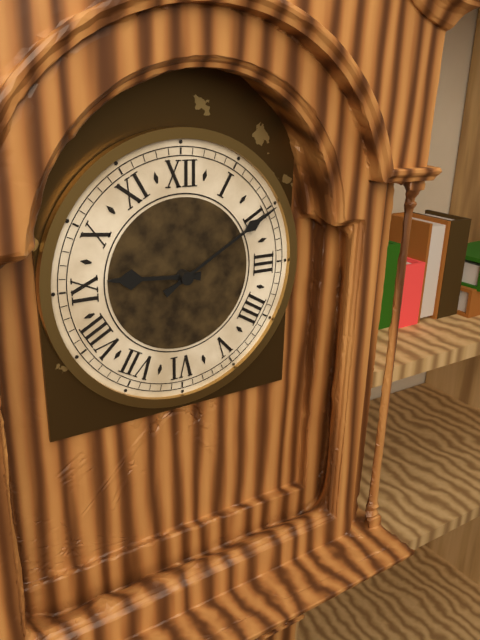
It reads 9,10
